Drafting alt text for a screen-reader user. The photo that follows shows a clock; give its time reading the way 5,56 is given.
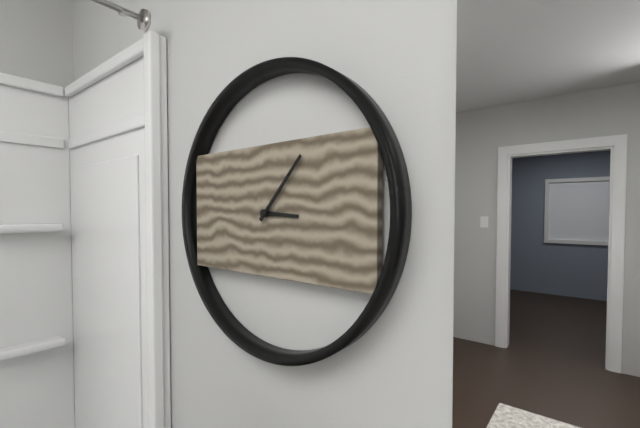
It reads 3,07
